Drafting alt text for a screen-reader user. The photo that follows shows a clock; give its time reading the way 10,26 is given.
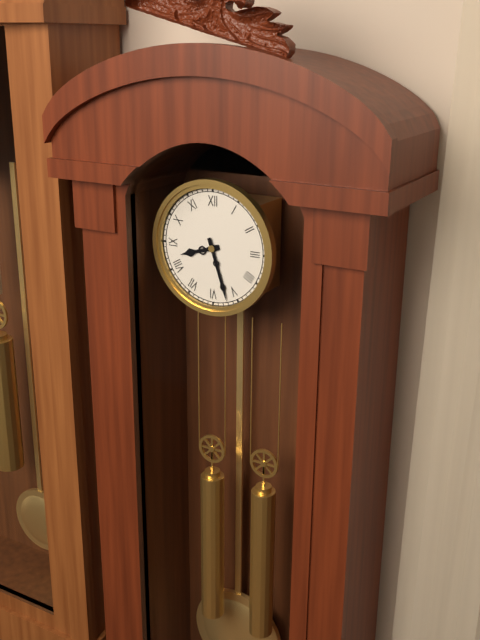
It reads 8,27
